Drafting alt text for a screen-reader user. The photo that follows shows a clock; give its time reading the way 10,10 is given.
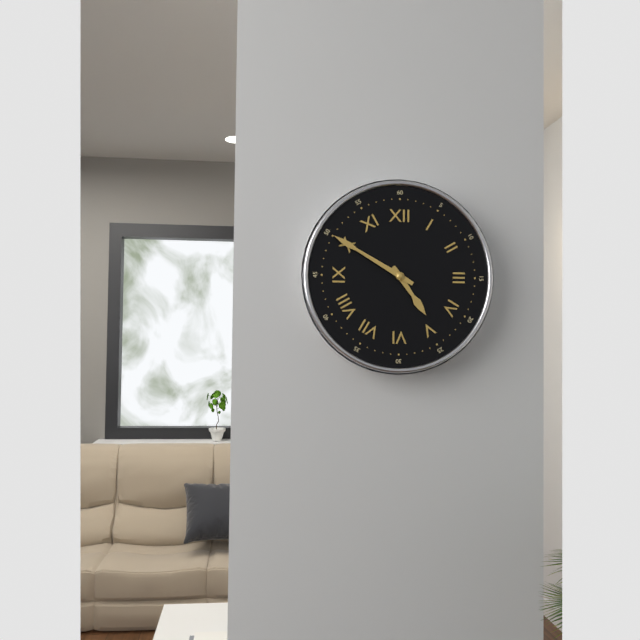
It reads 4,50
